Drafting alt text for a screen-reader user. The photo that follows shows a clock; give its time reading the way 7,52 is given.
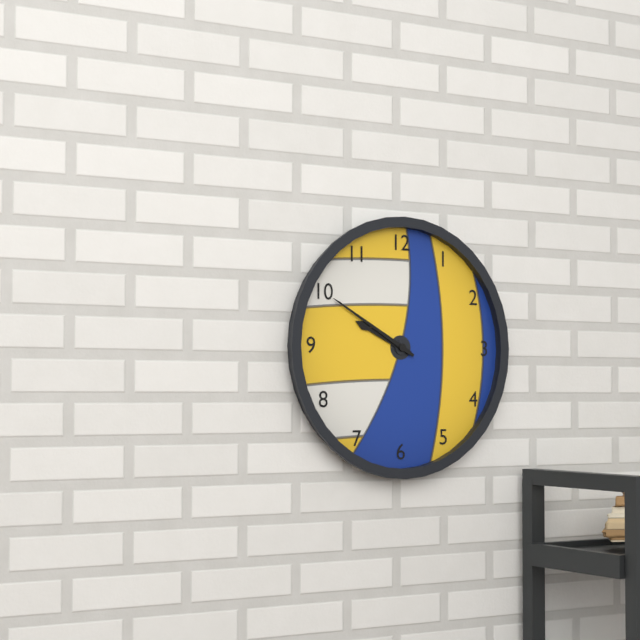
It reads 9,50
